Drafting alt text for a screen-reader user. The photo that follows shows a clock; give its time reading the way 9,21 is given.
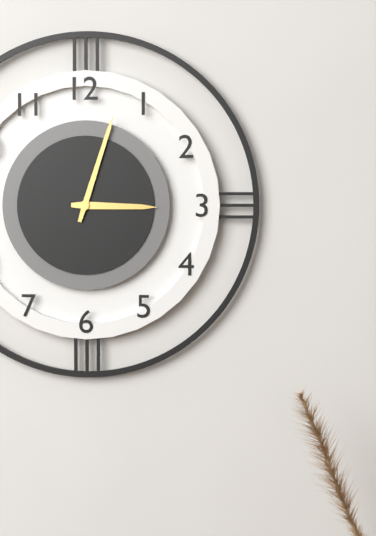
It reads 3,03
